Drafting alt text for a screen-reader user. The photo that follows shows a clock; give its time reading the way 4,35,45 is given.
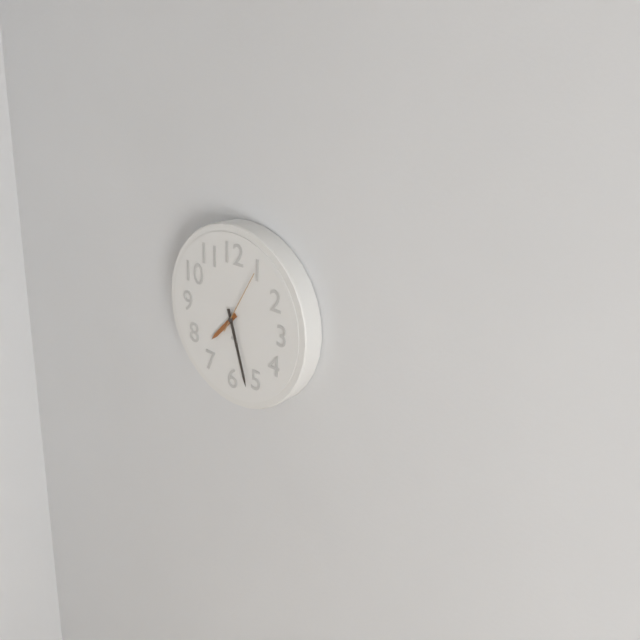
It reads 7,27,05
